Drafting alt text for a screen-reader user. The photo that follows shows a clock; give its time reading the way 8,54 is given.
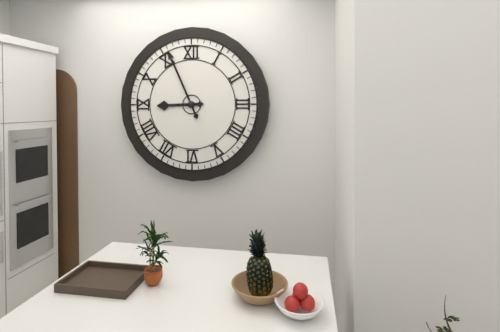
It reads 8,56
